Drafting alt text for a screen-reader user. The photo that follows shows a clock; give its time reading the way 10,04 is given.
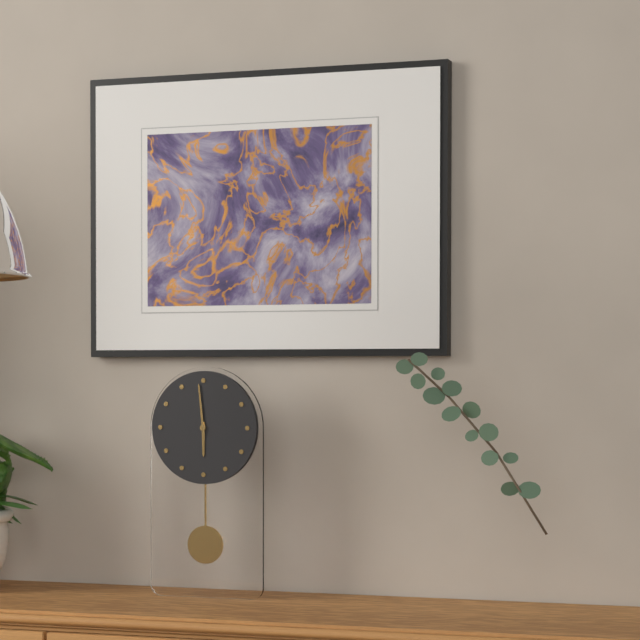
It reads 5,59
